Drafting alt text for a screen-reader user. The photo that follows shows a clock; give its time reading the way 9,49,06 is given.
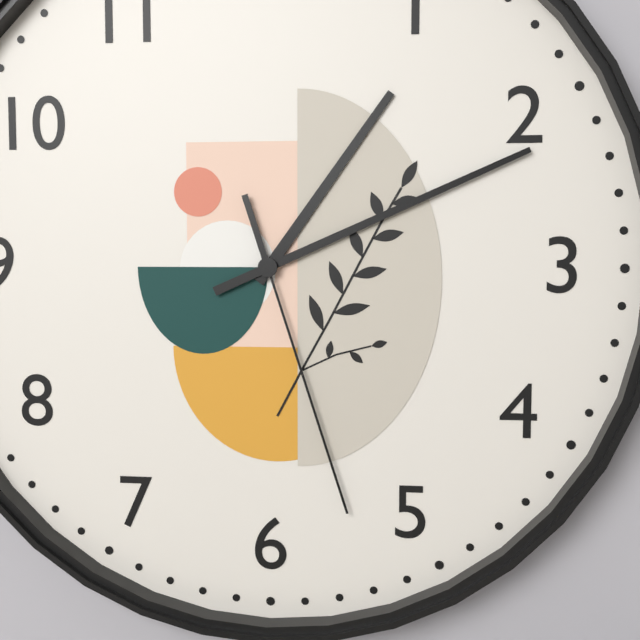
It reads 1,11,27
